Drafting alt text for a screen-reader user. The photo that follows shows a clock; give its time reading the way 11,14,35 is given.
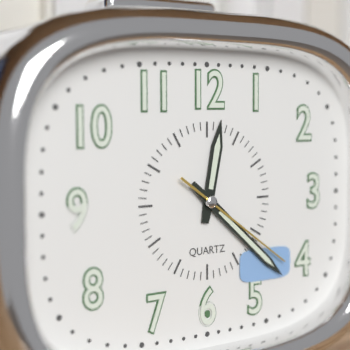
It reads 12,22,21
